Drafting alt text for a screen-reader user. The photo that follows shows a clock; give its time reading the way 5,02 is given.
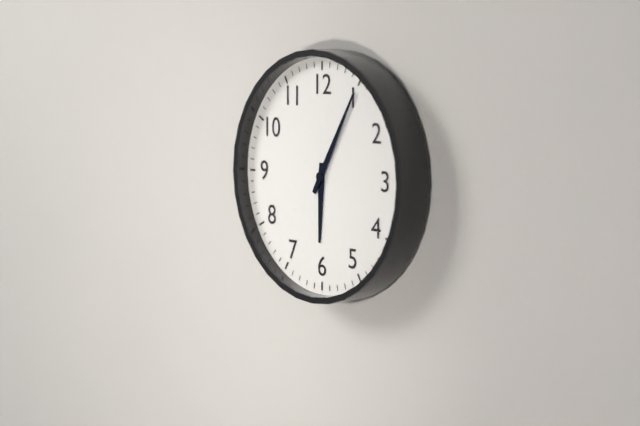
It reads 6,05
